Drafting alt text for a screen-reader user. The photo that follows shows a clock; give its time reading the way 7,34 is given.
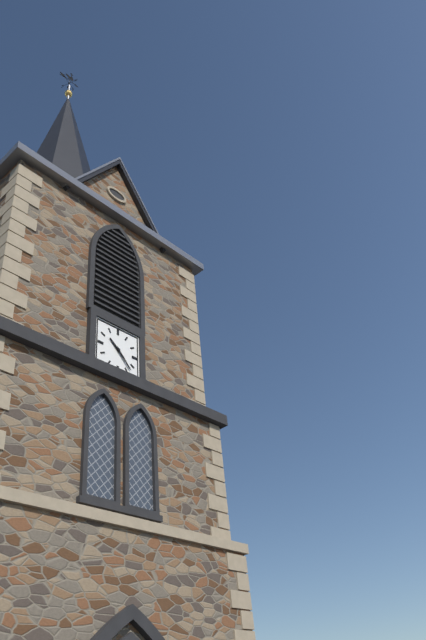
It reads 10,23
